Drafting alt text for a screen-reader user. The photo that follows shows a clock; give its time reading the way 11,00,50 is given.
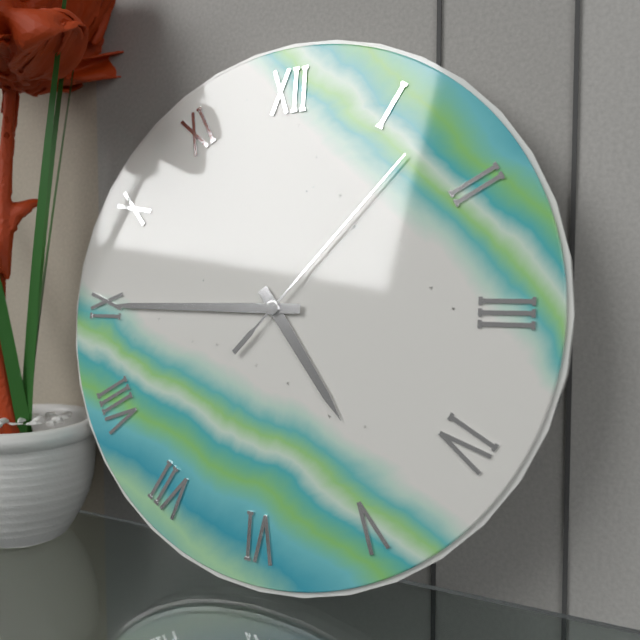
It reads 4,45,07
